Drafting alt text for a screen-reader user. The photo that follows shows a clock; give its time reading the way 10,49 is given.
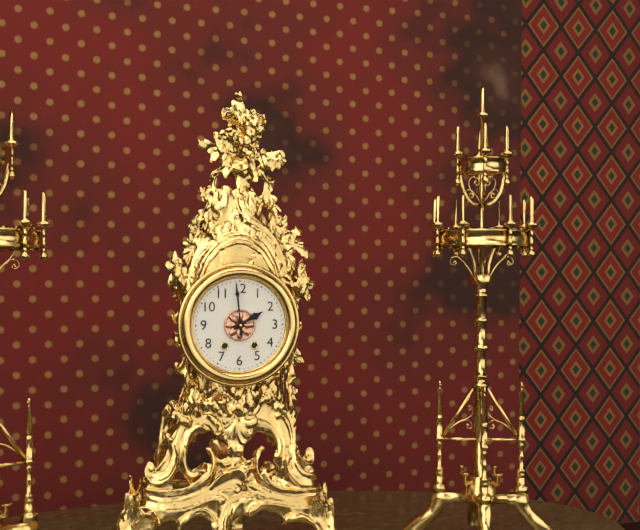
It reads 1,59
